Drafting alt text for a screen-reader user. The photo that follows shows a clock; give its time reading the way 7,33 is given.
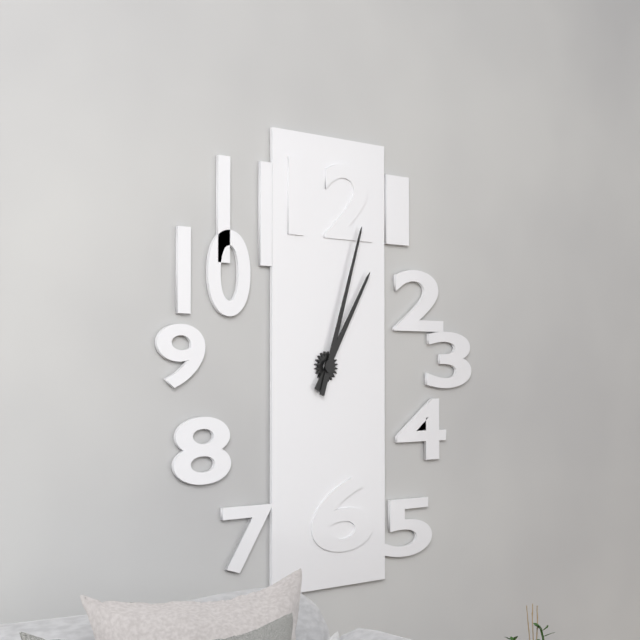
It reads 1,03
